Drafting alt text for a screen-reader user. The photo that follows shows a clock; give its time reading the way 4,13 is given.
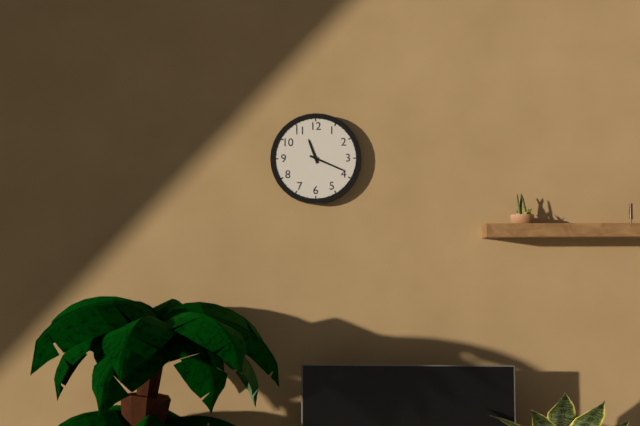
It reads 11,19
